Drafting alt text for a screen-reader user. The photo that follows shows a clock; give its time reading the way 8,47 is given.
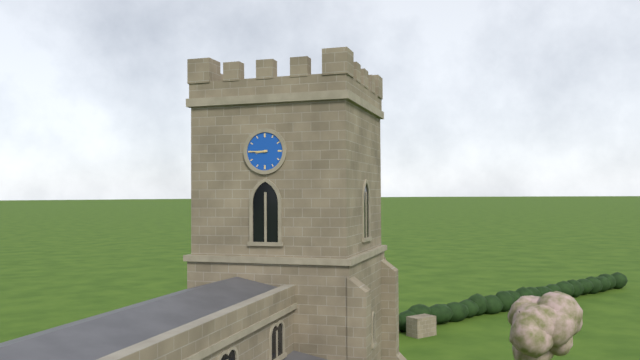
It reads 8,45
